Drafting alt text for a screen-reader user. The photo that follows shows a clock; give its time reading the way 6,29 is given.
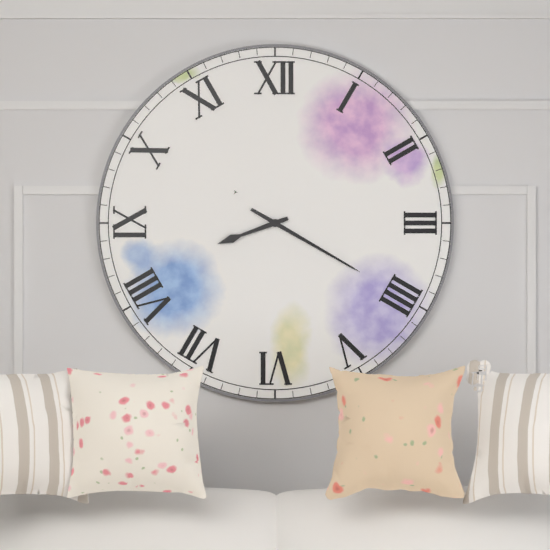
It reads 8,20
